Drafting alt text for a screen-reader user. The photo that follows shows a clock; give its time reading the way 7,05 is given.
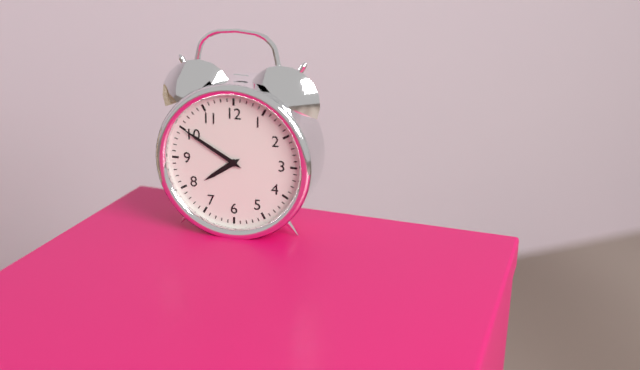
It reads 7,50
